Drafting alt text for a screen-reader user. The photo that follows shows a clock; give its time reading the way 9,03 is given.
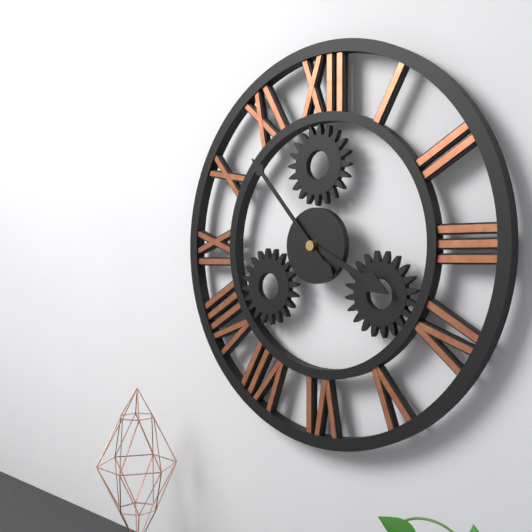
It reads 3,53
